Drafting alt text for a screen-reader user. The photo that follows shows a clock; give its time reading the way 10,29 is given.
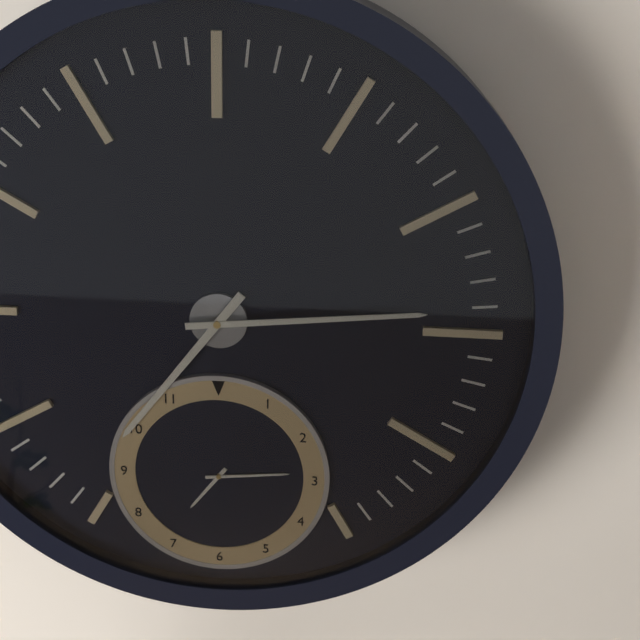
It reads 7,14
